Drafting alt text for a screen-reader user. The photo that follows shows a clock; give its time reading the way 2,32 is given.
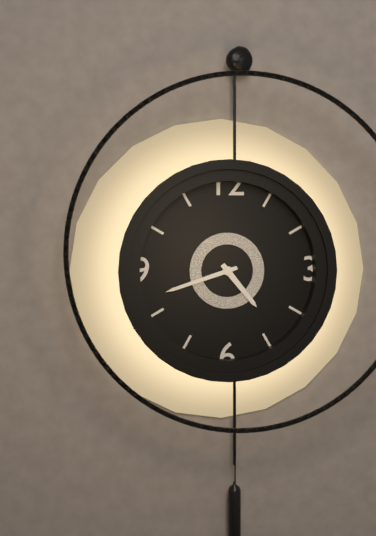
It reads 4,42
